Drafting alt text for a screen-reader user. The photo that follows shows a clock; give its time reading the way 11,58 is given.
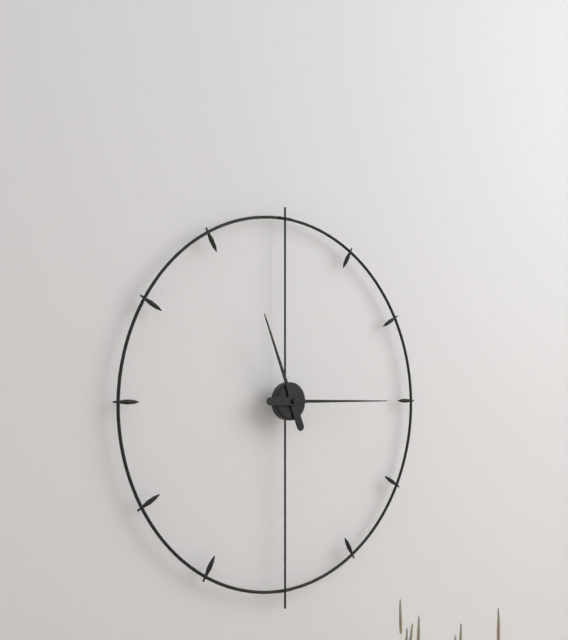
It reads 11,15
